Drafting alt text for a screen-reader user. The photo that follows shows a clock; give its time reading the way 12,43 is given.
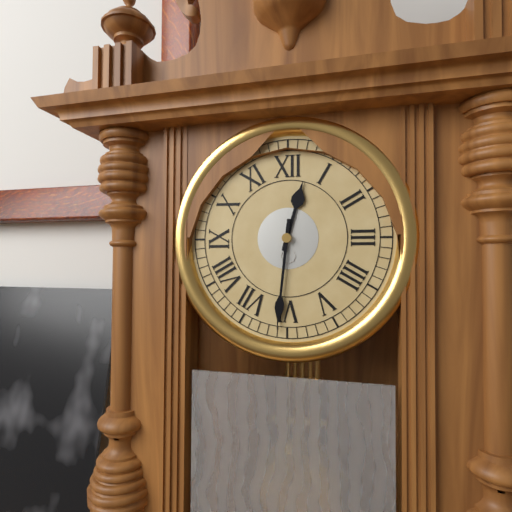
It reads 12,31
